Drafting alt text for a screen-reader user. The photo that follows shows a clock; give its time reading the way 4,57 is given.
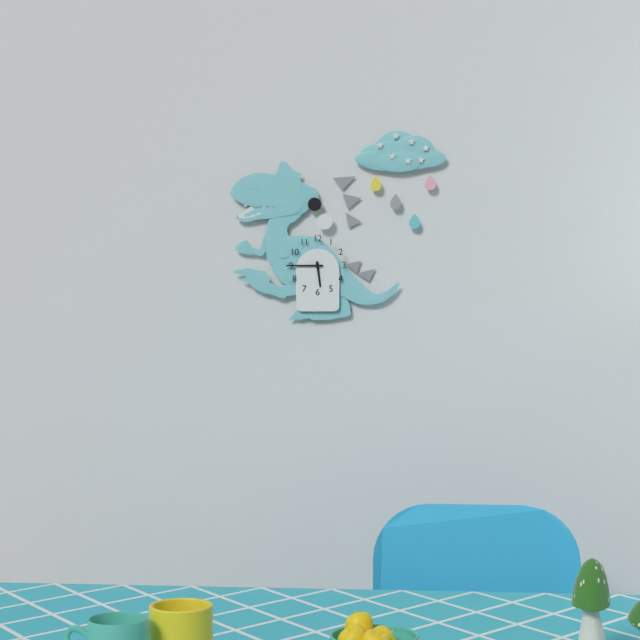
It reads 5,45
